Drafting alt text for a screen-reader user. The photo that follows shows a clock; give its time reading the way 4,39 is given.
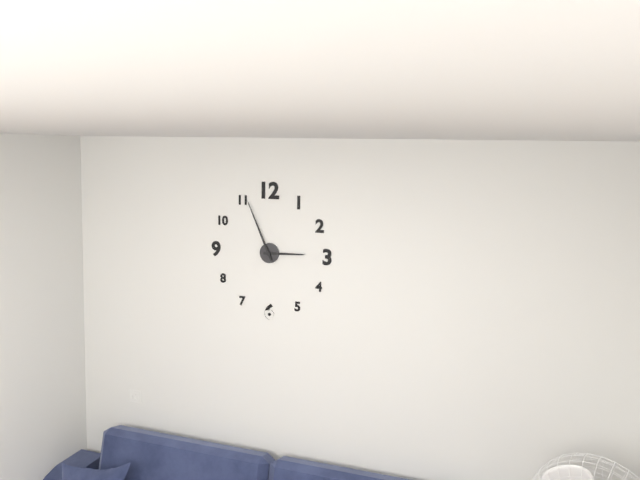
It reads 2,56
